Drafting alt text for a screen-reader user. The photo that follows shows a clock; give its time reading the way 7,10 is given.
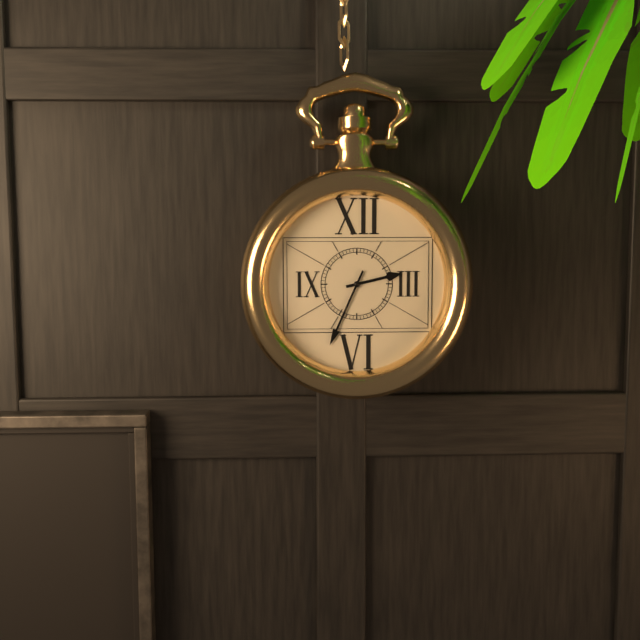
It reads 2,34
